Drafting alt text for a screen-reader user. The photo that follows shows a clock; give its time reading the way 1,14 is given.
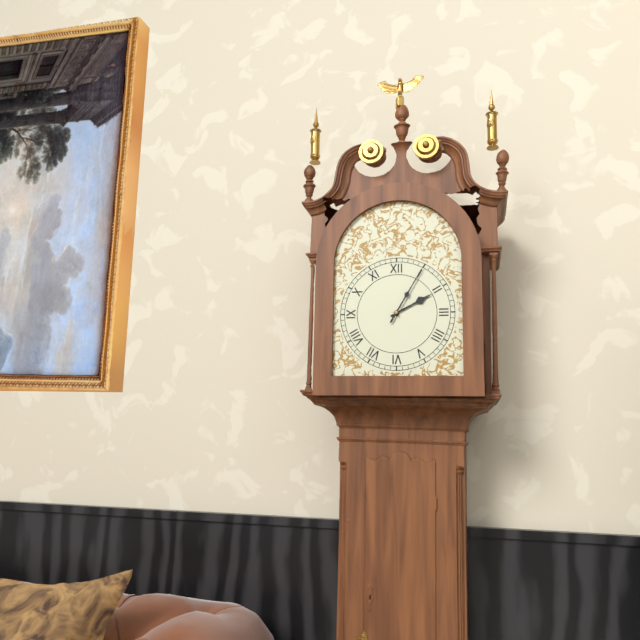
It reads 2,05
